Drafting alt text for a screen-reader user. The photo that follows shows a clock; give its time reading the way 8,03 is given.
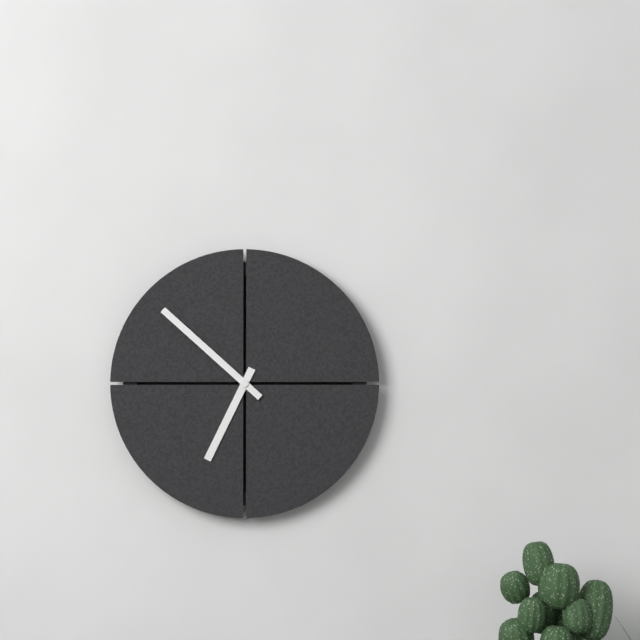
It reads 6,52
